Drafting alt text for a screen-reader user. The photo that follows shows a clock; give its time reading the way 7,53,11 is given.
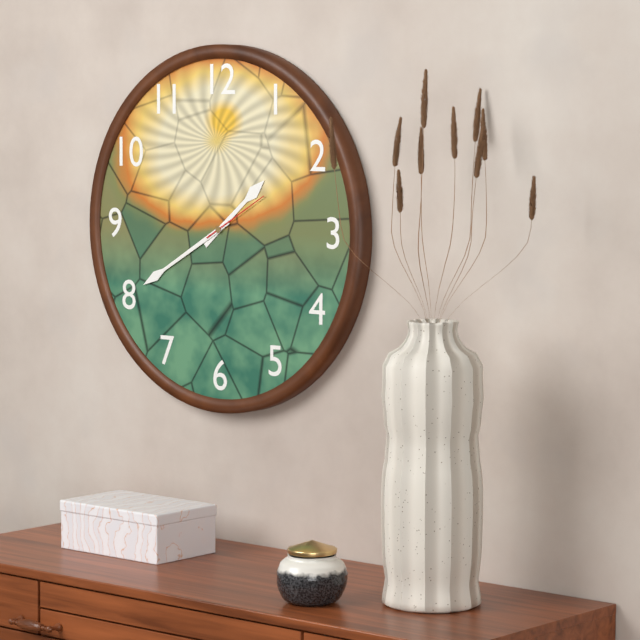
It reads 1,40,10
